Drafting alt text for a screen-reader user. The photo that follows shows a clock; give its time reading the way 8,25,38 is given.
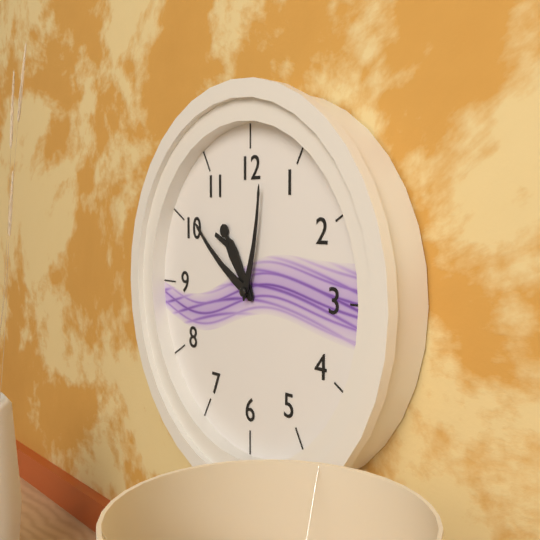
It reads 10,51,02
